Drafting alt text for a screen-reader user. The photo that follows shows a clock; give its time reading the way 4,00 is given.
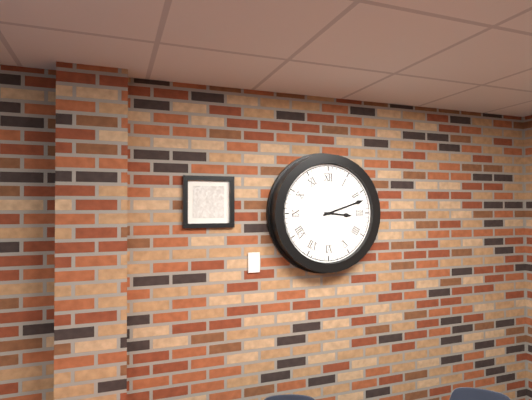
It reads 3,12
